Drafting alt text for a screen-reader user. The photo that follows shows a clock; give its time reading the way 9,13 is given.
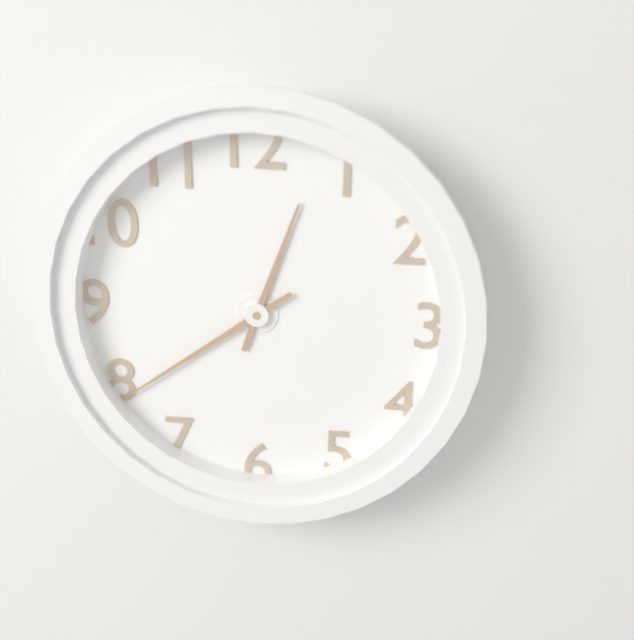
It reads 12,39
